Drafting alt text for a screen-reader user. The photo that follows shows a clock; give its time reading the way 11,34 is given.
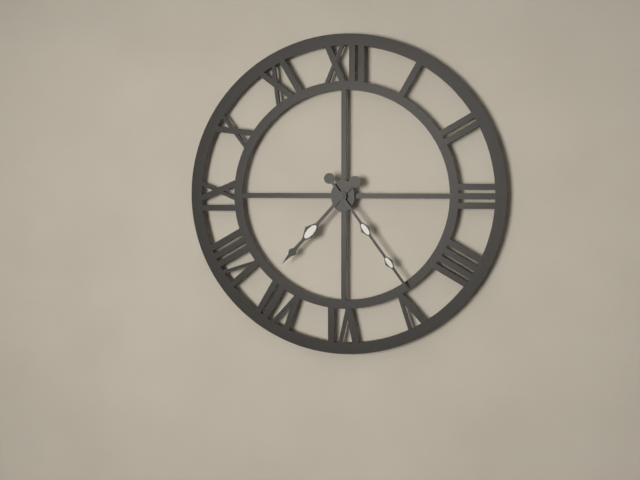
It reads 7,24
